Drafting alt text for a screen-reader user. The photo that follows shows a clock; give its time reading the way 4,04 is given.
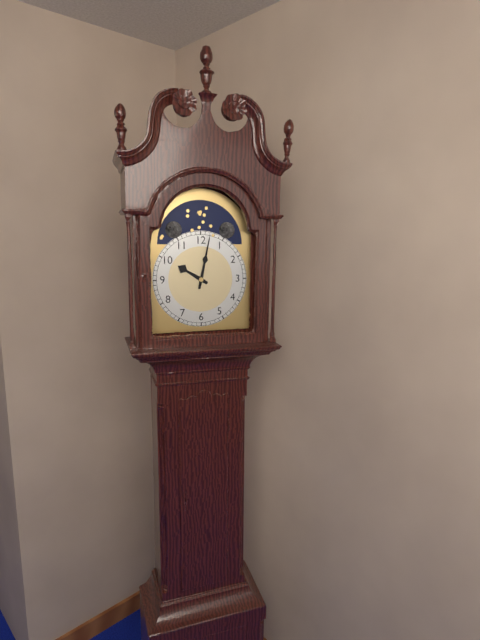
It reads 10,02
